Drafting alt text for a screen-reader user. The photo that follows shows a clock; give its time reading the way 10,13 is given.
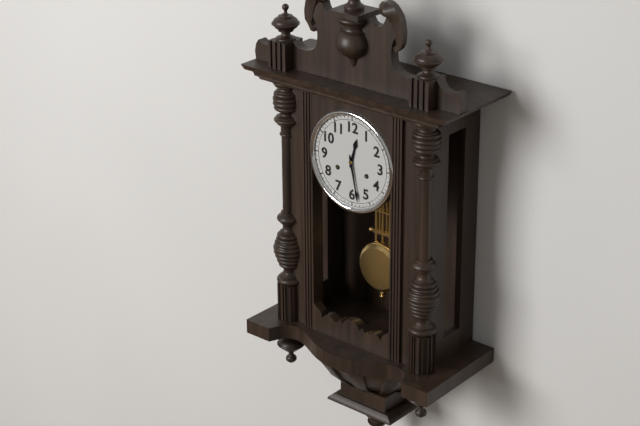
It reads 12,28
